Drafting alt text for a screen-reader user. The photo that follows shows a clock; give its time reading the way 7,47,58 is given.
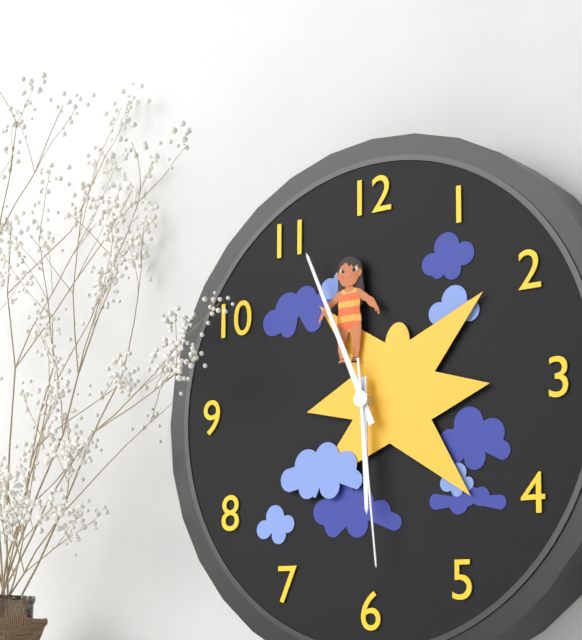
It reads 5,56,29
